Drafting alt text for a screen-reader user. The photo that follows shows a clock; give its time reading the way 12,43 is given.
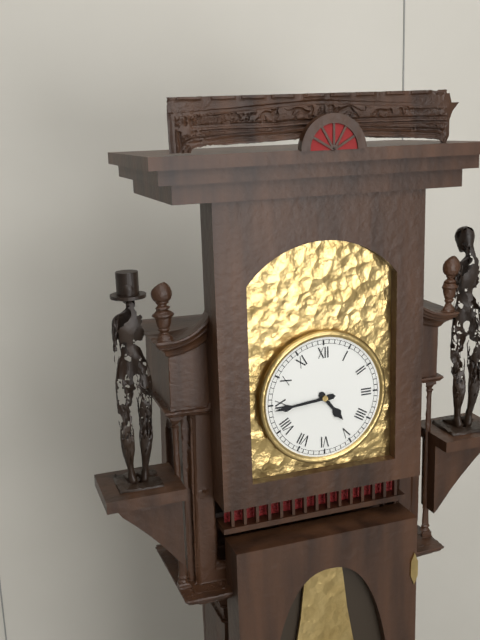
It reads 4,44
